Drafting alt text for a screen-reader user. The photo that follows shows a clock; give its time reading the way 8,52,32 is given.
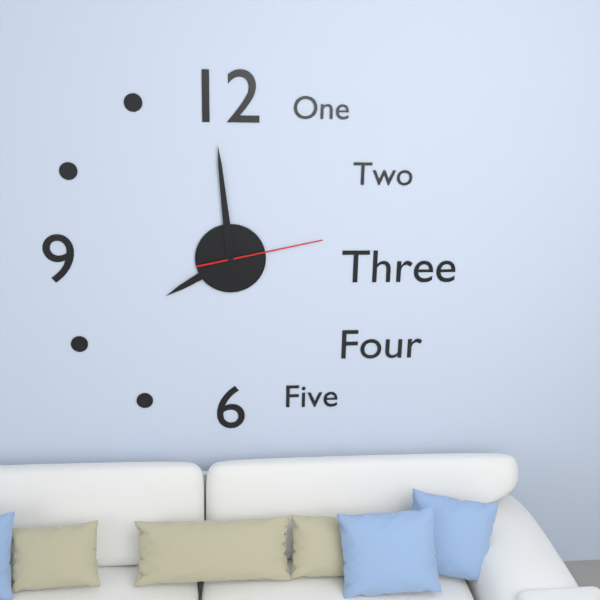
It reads 7,59,13
